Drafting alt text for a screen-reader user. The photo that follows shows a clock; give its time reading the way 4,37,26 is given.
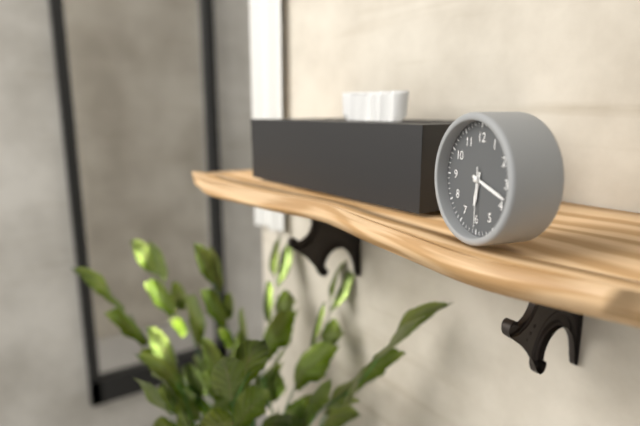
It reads 6,18,30
